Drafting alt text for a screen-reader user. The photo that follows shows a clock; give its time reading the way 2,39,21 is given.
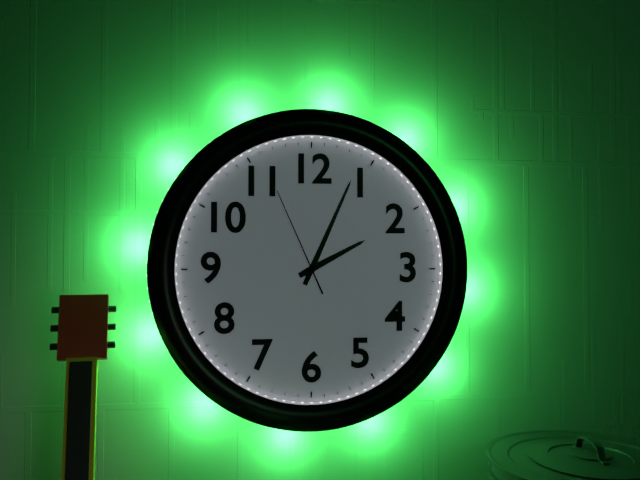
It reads 2,04,56
